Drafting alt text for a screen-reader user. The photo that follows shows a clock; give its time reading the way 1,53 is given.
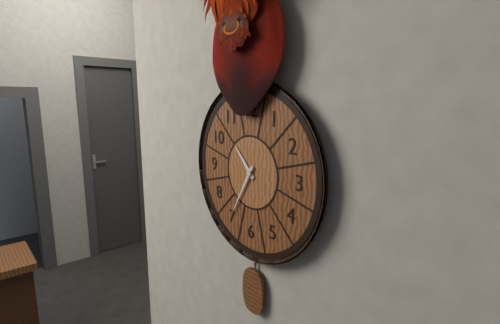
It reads 10,35
